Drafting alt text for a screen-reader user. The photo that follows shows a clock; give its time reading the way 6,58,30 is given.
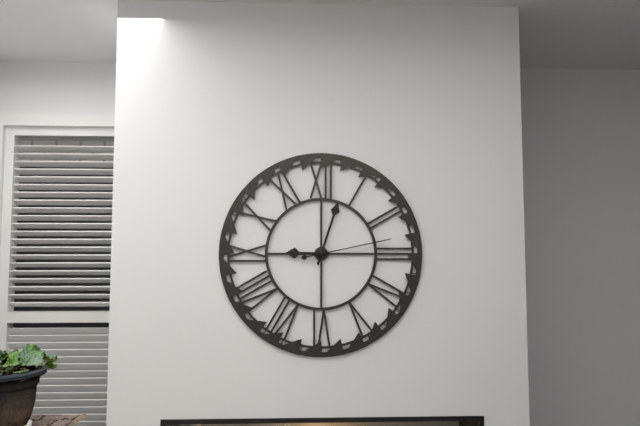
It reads 9,03,13
